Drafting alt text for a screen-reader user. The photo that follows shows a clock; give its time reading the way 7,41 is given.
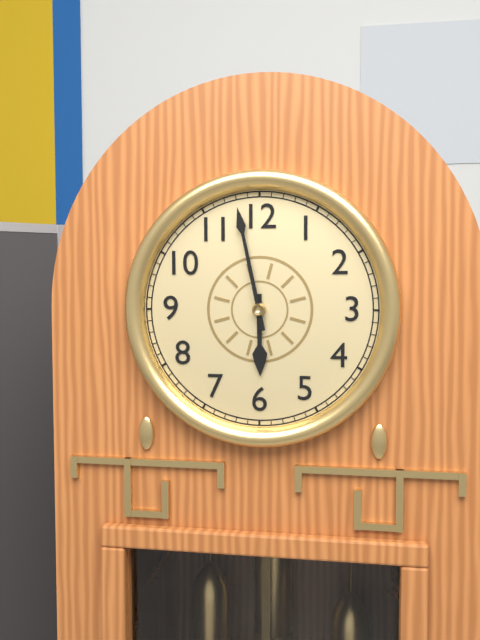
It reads 5,58
